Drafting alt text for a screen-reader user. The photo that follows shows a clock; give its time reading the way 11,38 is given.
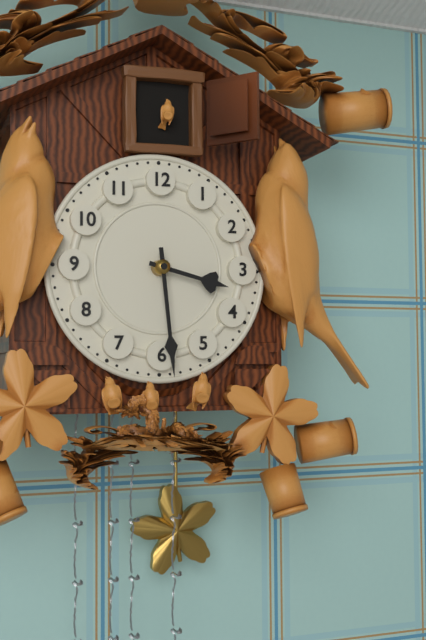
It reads 3,29
